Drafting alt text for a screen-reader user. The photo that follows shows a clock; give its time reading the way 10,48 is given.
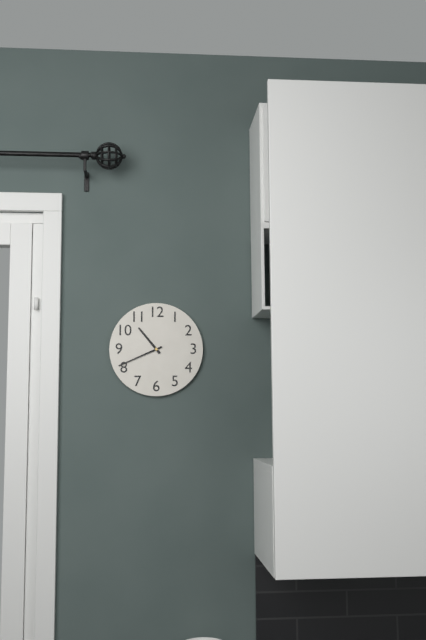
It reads 10,41
